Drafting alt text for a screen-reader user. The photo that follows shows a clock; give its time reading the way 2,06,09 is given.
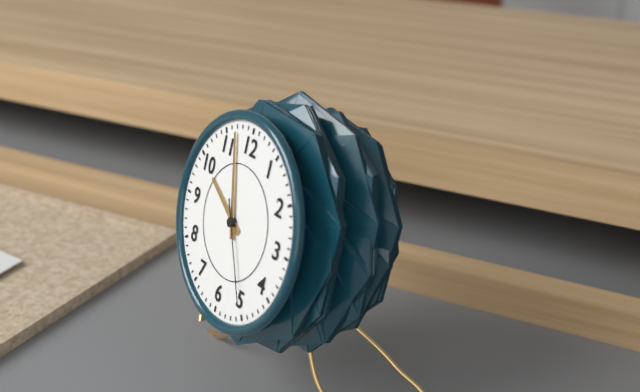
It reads 9,57,25
